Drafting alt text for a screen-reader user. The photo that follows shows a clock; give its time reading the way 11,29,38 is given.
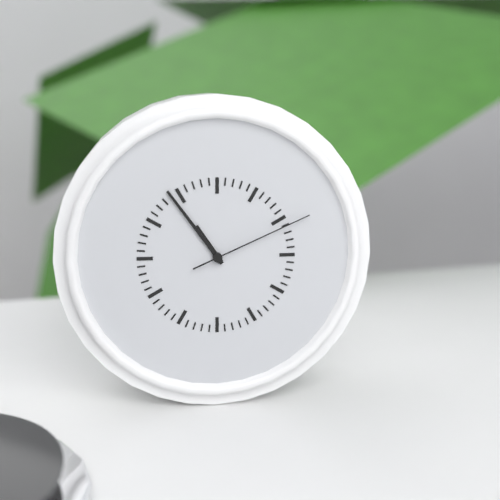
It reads 10,54,11
